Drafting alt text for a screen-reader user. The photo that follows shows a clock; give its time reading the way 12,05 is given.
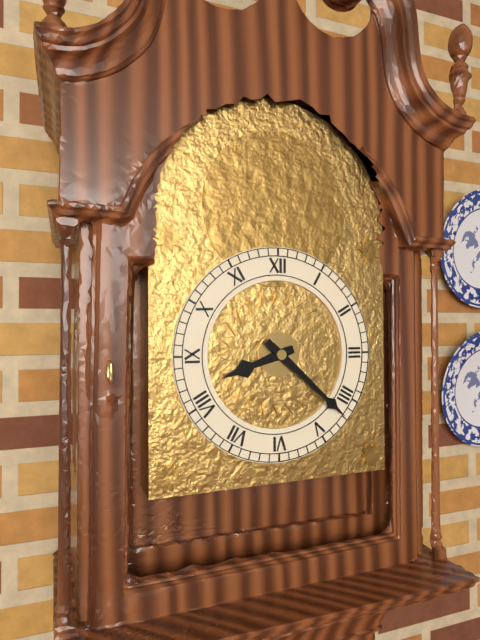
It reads 8,22
